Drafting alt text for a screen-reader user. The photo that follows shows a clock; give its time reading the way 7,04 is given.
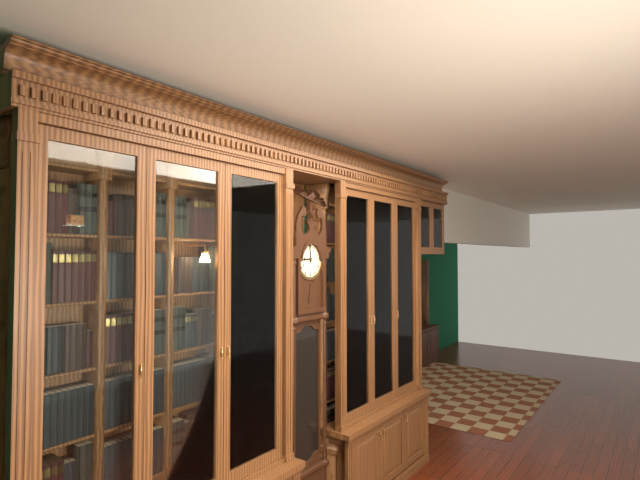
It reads 8,59
